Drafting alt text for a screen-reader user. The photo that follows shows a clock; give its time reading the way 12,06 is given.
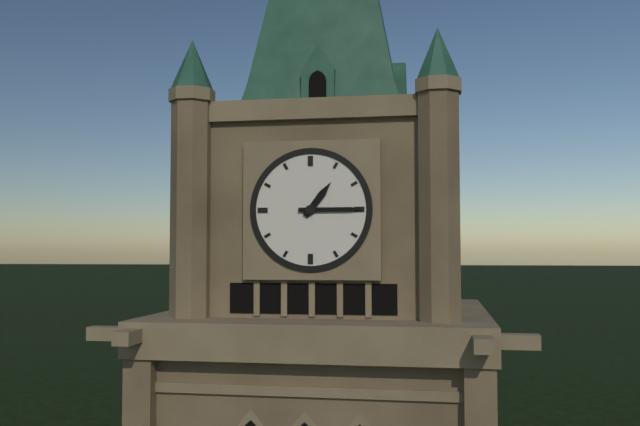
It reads 1,15
